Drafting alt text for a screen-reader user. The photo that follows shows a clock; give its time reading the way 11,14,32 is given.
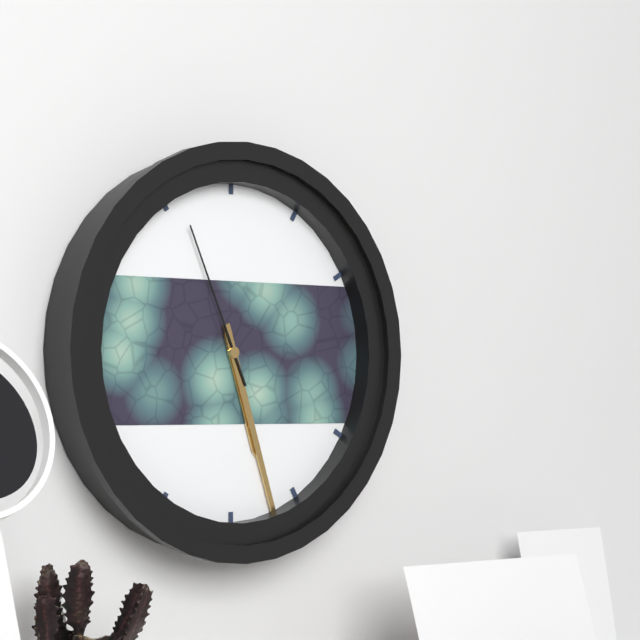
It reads 5,27,56
